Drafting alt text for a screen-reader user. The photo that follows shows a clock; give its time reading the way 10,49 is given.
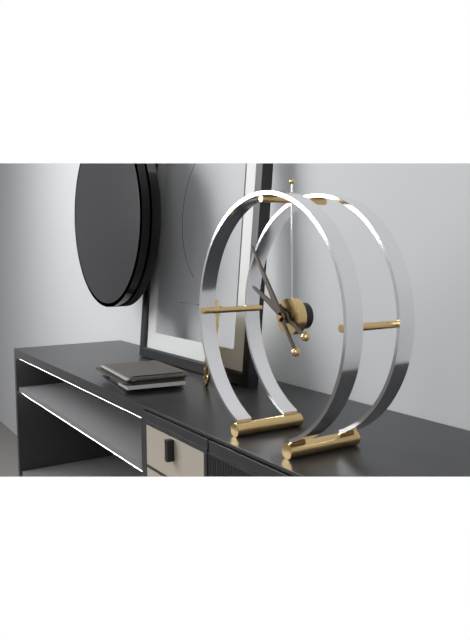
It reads 9,54
